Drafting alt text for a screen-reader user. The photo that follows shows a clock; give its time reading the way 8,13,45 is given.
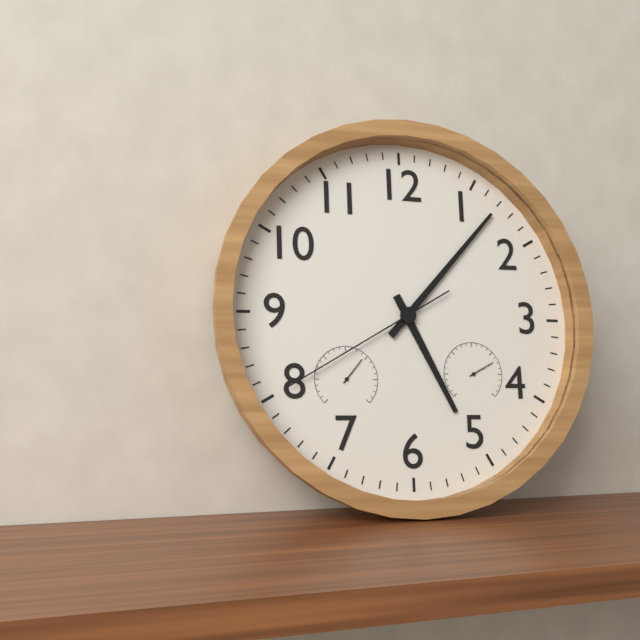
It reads 5,07,40
